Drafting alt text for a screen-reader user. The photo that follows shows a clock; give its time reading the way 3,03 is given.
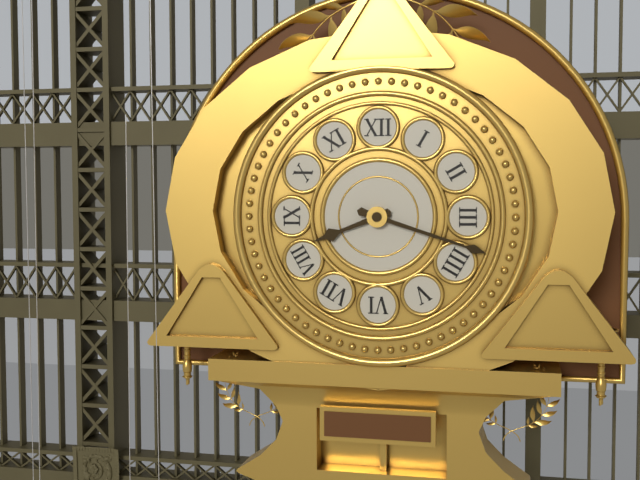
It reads 8,18
